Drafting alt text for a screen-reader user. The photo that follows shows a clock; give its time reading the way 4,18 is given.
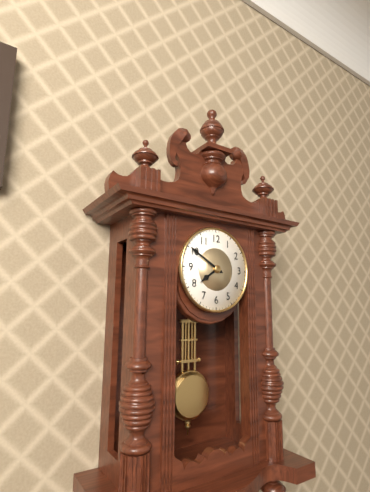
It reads 7,50
